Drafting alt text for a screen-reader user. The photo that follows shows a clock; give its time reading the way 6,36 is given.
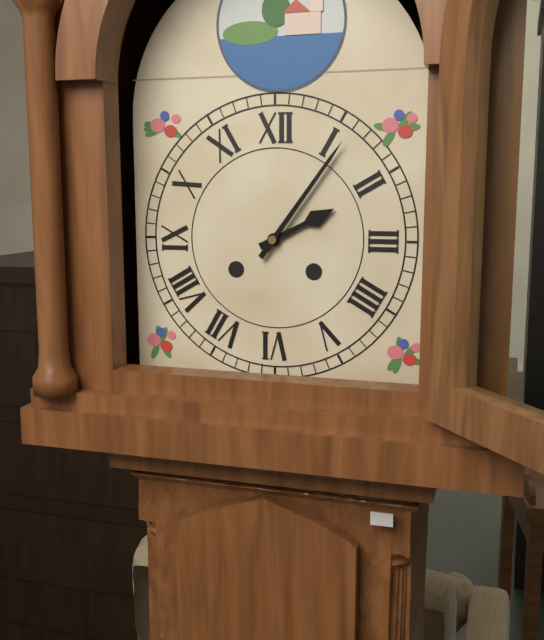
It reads 2,06
